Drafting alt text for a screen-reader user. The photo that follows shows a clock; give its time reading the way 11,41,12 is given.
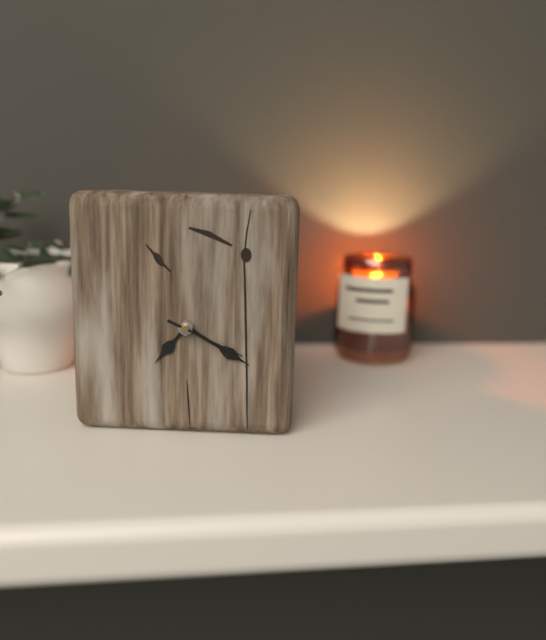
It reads 7,20,19
